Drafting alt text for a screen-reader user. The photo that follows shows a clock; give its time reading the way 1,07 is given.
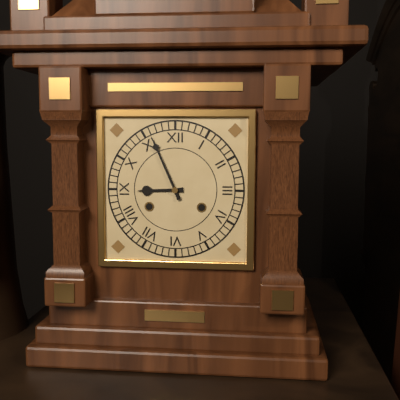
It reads 8,56
